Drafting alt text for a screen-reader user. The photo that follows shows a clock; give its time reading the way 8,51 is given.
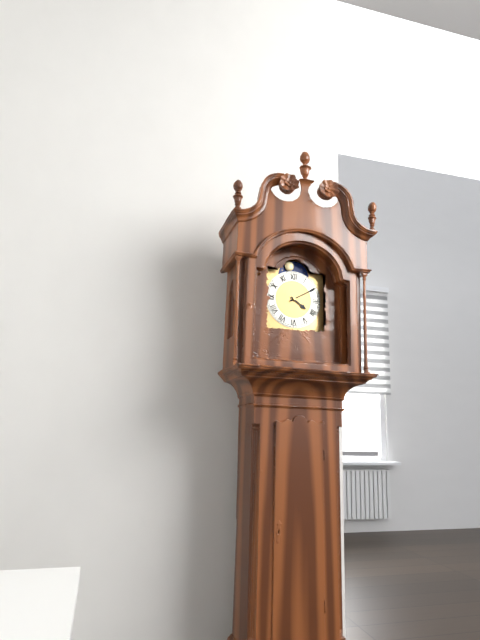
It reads 4,10
